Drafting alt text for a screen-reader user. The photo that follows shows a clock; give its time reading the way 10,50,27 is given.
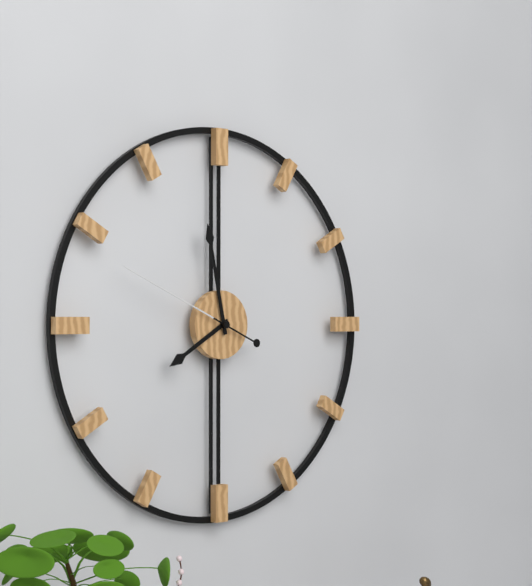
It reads 7,58,49
